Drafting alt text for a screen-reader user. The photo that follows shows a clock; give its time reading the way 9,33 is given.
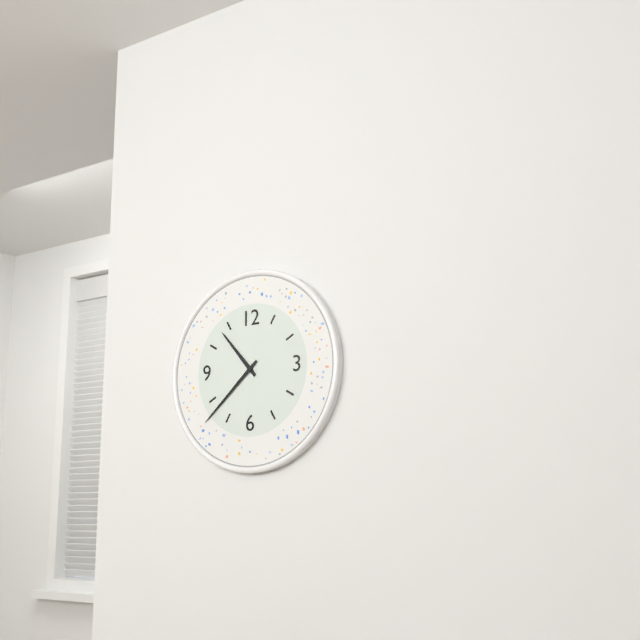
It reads 10,38
